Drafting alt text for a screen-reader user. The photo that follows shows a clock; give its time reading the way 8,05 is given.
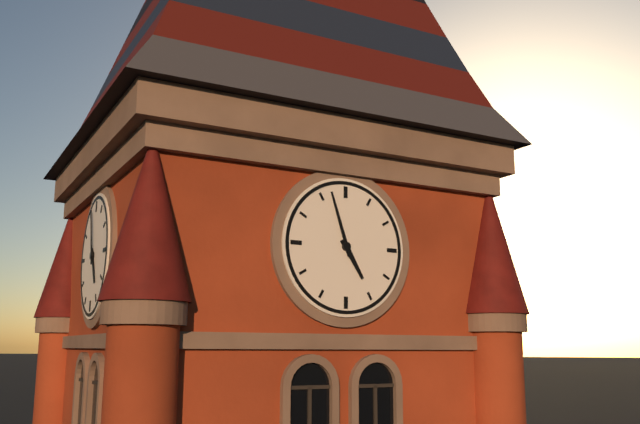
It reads 4,57
